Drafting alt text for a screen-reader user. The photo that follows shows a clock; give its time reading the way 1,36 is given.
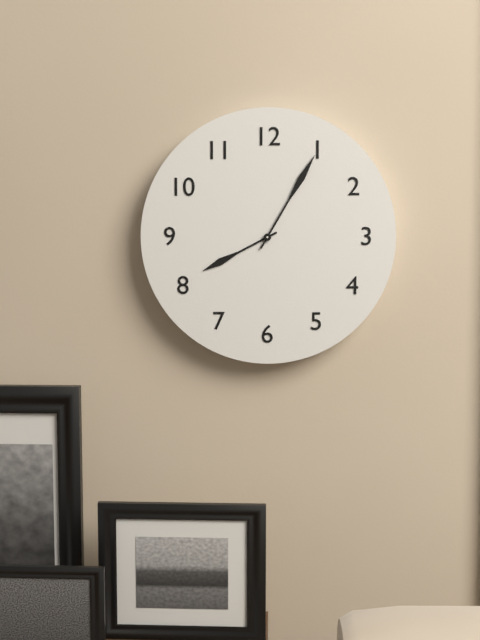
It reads 8,05
